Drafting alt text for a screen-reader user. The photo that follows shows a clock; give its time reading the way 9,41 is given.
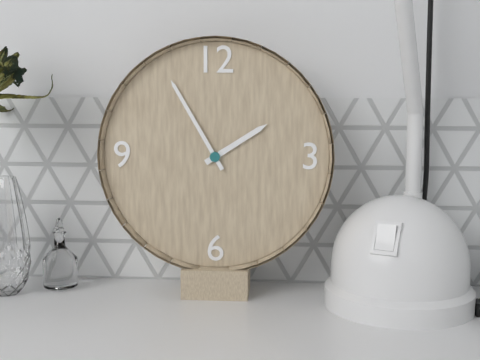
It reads 1,55
